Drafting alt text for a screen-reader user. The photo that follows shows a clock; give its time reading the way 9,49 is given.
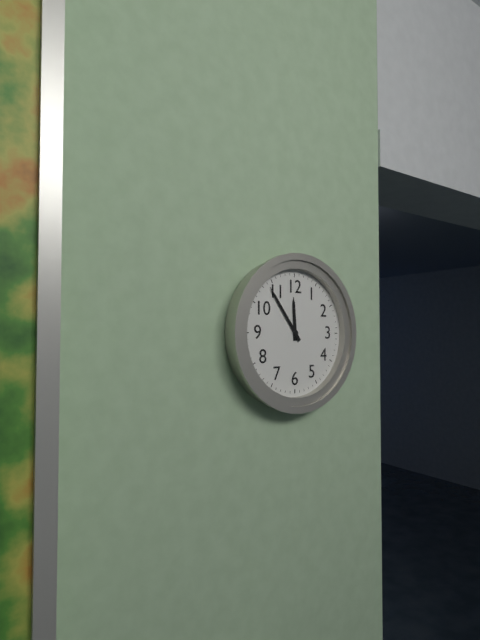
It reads 11,54
